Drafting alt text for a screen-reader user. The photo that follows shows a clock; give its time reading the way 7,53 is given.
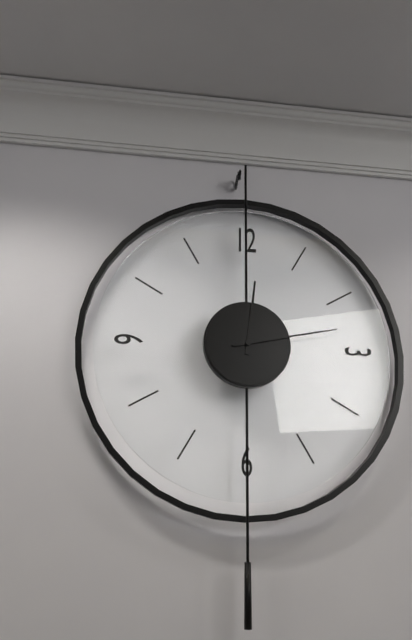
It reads 12,13
